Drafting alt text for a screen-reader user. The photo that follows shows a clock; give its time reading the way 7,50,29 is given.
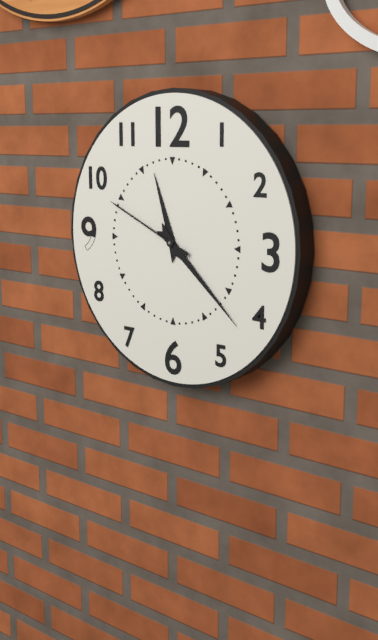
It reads 11,22,49
